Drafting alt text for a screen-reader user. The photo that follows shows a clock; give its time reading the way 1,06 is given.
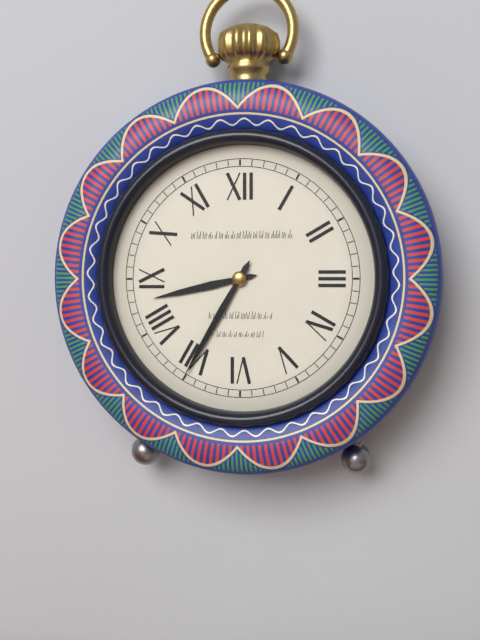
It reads 8,35
